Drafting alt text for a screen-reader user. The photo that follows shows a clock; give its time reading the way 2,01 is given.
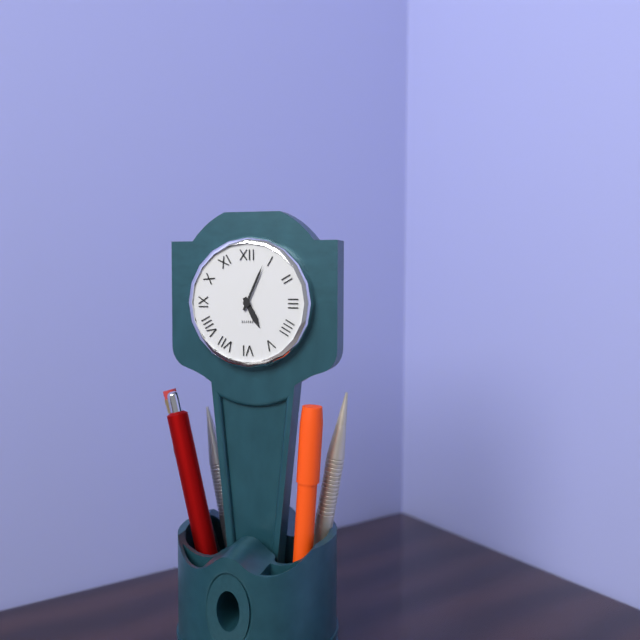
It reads 5,04
